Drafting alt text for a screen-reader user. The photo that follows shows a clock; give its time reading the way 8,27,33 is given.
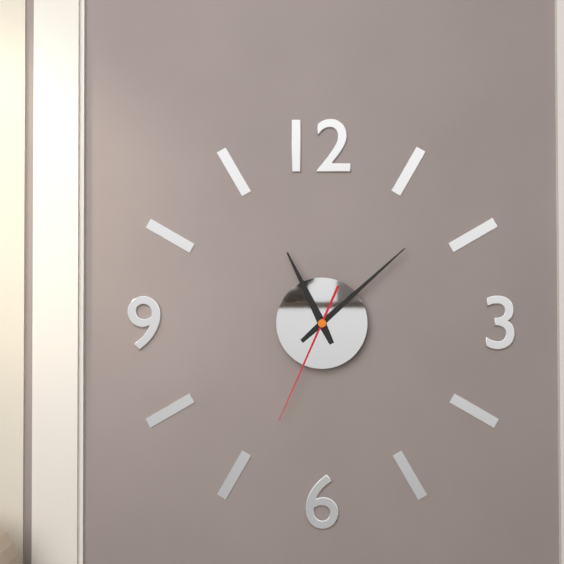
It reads 11,08,34
